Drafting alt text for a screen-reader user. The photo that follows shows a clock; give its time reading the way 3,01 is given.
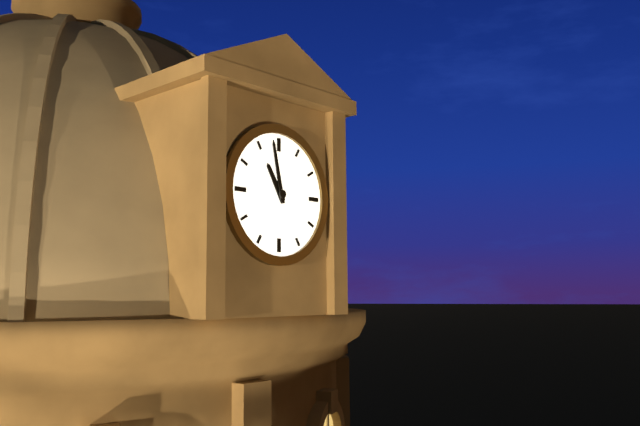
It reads 10,58
